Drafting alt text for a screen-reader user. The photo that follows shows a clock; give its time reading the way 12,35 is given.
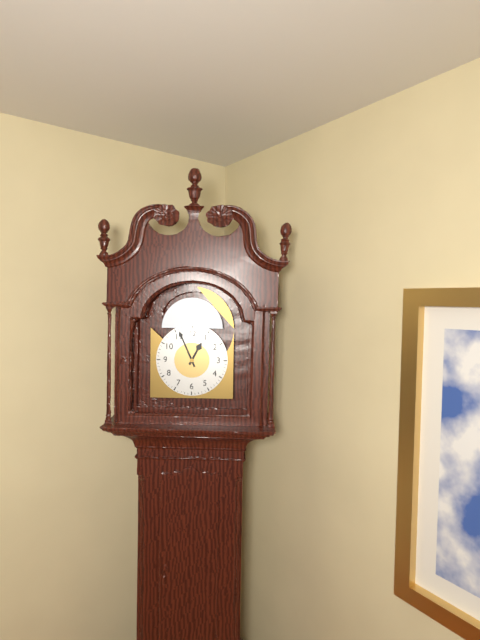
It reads 12,56
